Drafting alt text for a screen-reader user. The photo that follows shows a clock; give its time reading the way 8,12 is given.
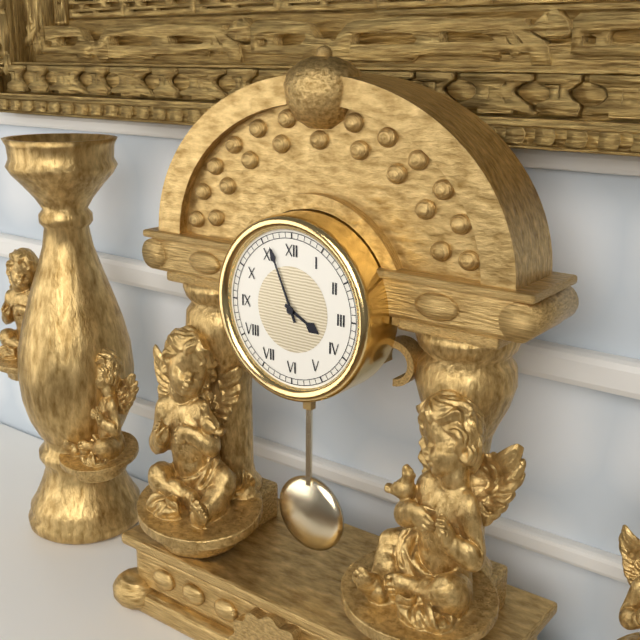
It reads 3,56
